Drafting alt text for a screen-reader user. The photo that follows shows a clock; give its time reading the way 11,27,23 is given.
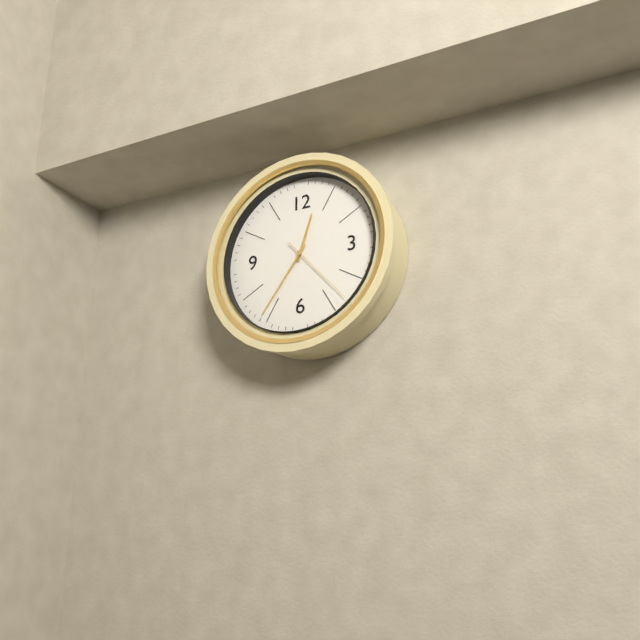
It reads 12,36,23
